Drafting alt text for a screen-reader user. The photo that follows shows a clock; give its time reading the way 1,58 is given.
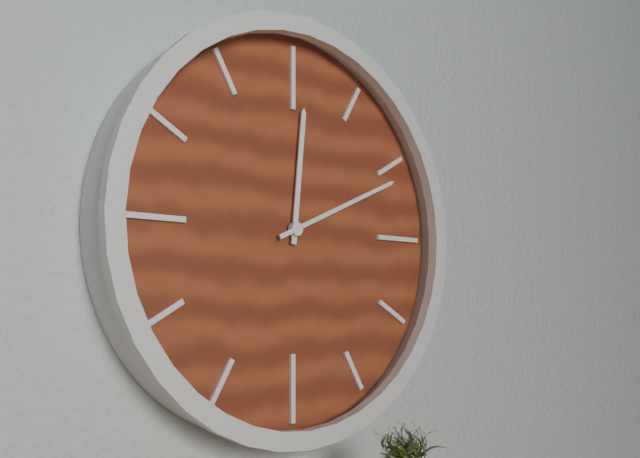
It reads 12,11
